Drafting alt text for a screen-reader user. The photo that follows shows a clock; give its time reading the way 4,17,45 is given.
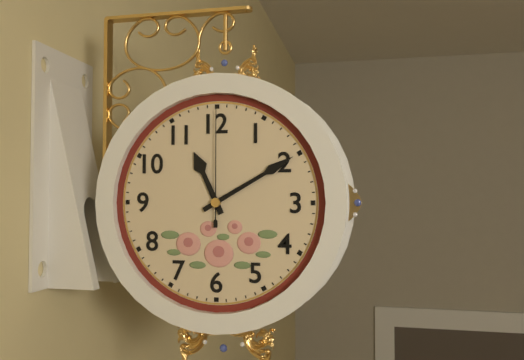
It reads 11,10,00
